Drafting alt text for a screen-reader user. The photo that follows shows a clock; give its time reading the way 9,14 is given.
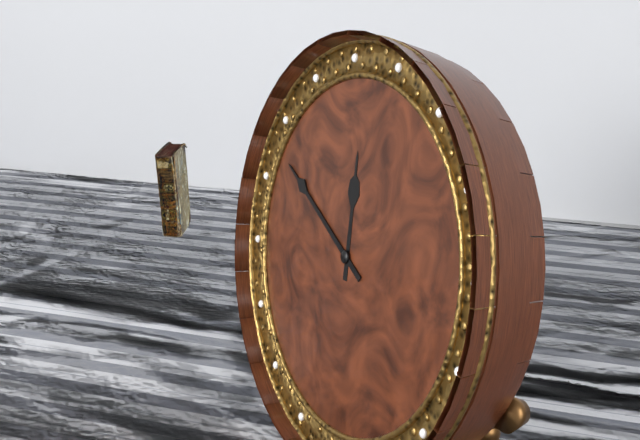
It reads 11,49
